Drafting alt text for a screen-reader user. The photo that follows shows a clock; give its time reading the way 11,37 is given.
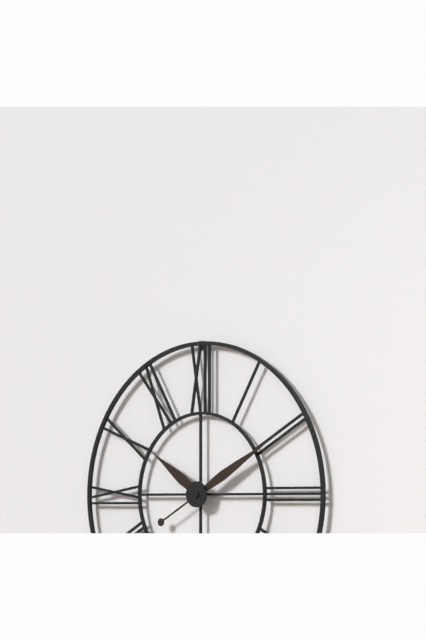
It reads 10,10
